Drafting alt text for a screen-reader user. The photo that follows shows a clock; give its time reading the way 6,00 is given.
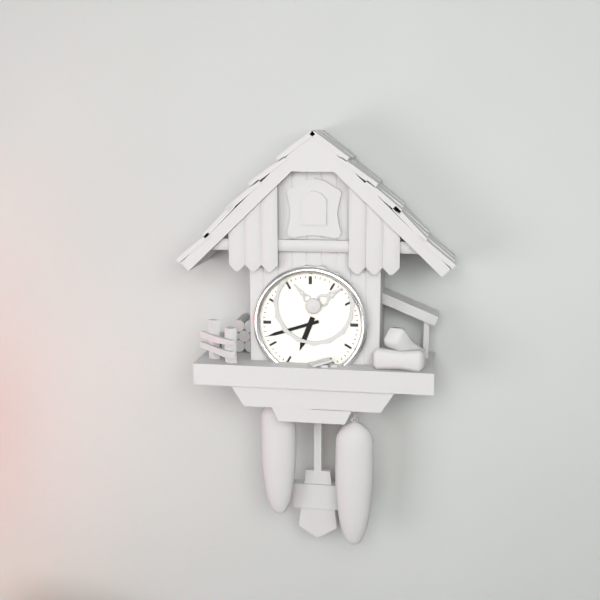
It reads 6,42
